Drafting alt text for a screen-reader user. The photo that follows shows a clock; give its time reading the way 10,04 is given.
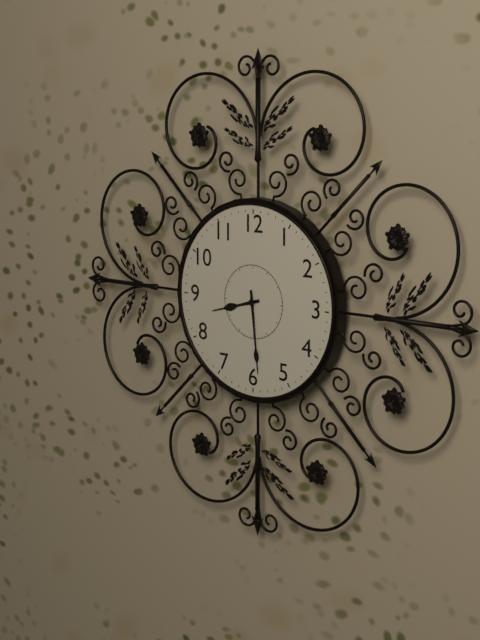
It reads 8,29
